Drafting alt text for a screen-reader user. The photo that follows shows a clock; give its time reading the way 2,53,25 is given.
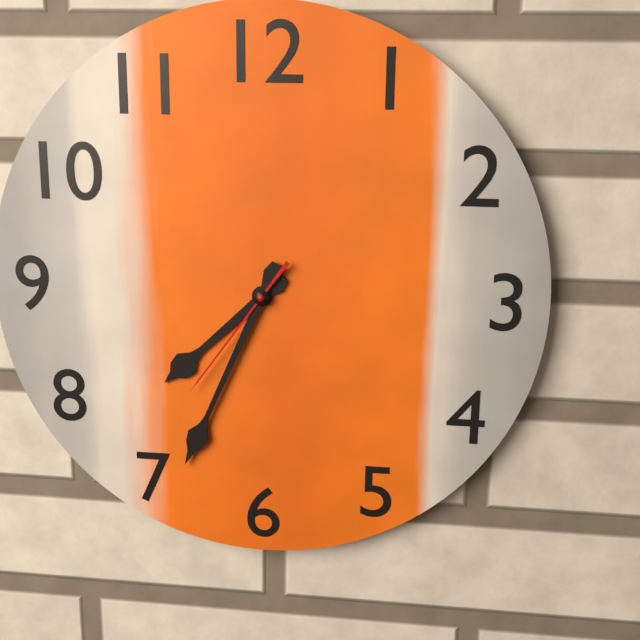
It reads 7,34,36
